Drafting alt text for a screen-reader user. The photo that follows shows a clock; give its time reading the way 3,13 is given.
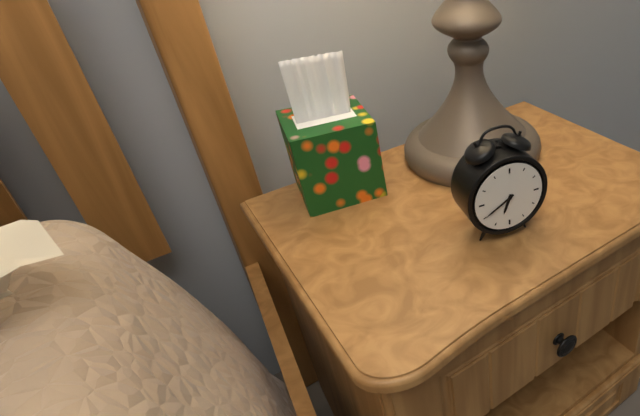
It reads 6,40
